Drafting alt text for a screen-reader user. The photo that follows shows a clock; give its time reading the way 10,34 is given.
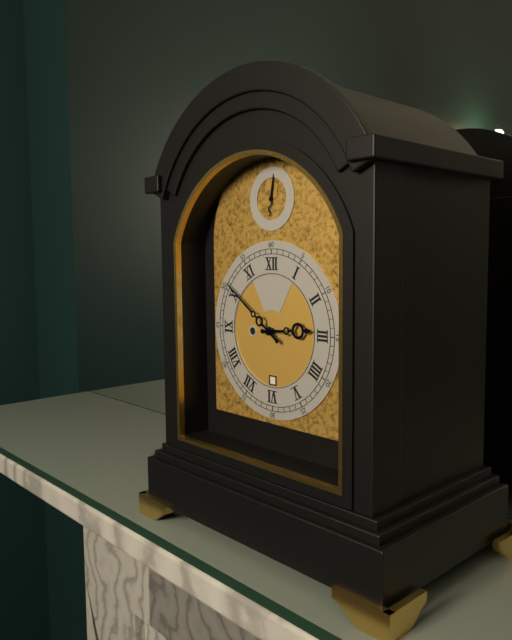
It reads 2,51
